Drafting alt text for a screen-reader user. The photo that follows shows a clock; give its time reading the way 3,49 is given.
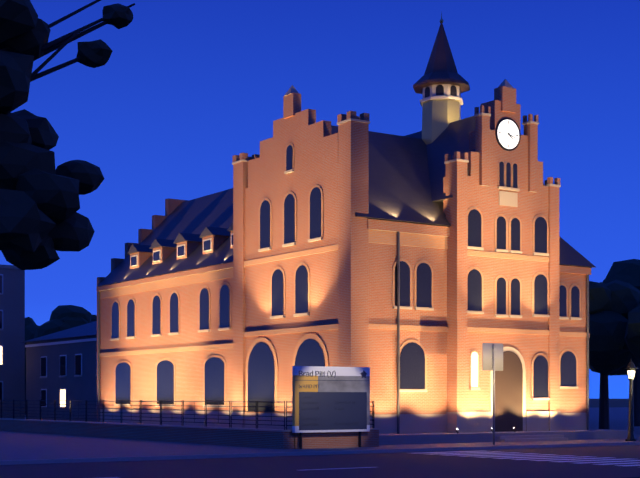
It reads 4,18
